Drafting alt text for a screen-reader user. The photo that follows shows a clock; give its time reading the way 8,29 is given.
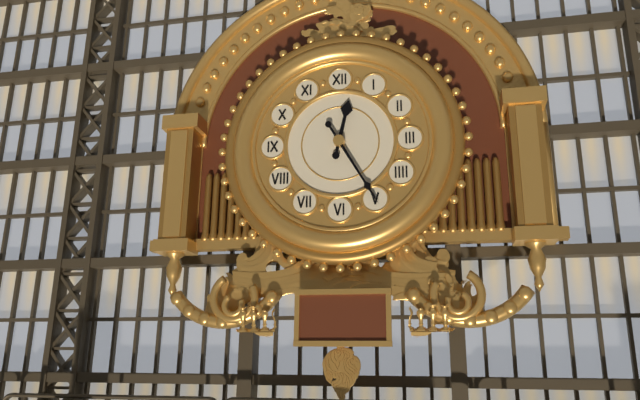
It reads 12,25
